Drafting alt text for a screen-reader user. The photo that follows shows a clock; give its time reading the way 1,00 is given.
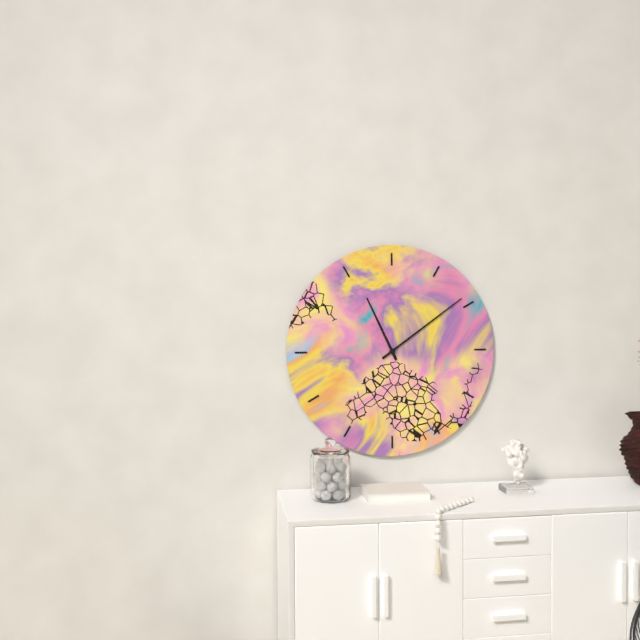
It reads 11,09
